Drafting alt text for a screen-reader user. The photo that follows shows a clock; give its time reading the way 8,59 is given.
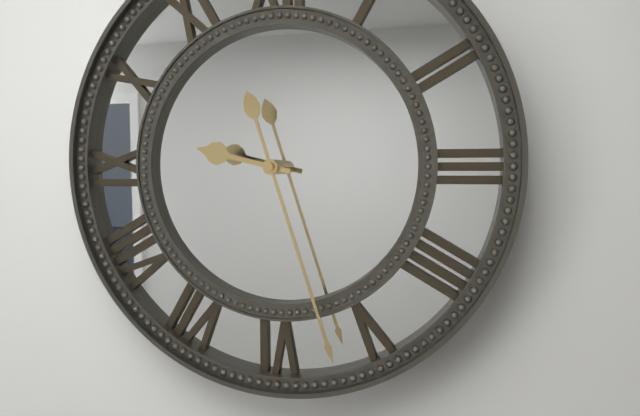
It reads 9,27
